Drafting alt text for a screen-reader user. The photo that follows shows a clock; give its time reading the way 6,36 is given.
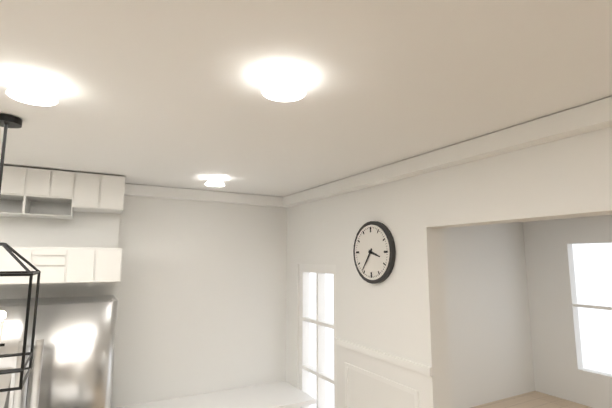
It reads 3,36
